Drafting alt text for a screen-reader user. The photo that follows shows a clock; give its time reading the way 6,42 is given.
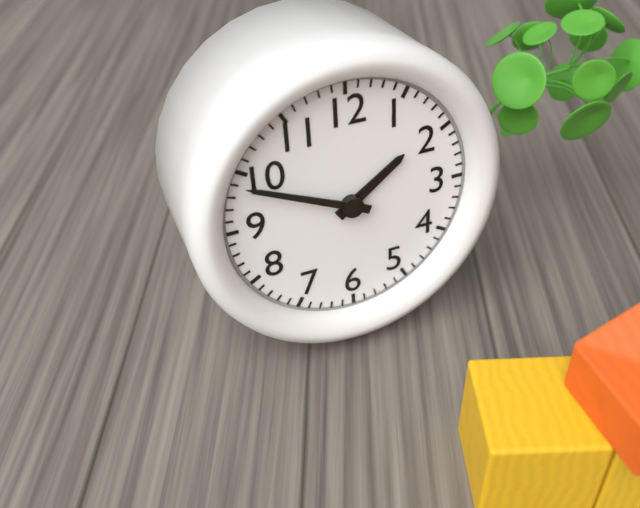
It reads 1,49
